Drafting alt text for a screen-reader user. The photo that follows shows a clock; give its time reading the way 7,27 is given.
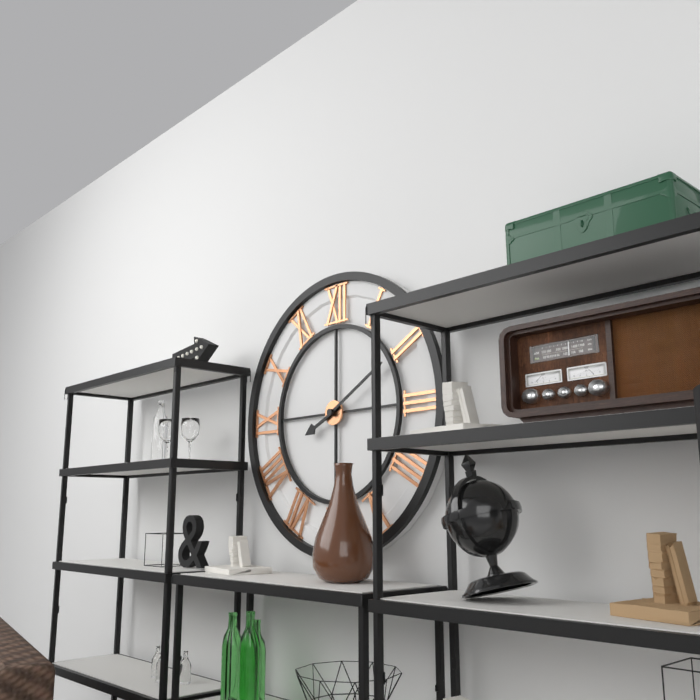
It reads 8,10
